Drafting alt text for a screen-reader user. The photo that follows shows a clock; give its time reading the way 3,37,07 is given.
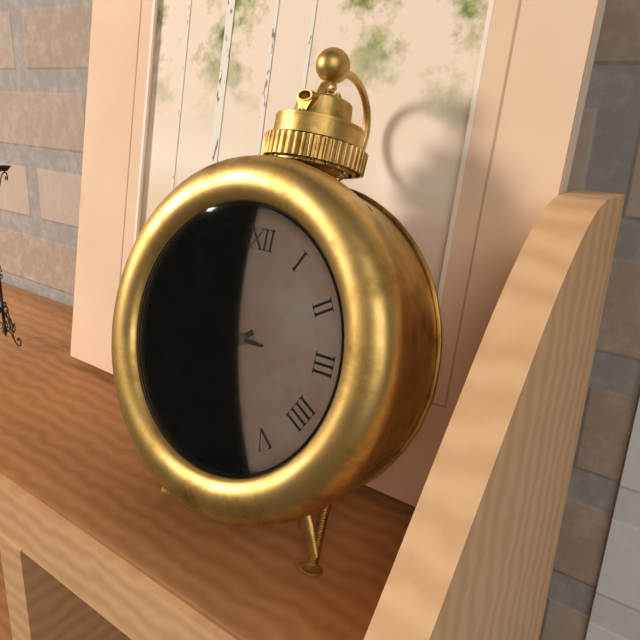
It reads 7,45,45
